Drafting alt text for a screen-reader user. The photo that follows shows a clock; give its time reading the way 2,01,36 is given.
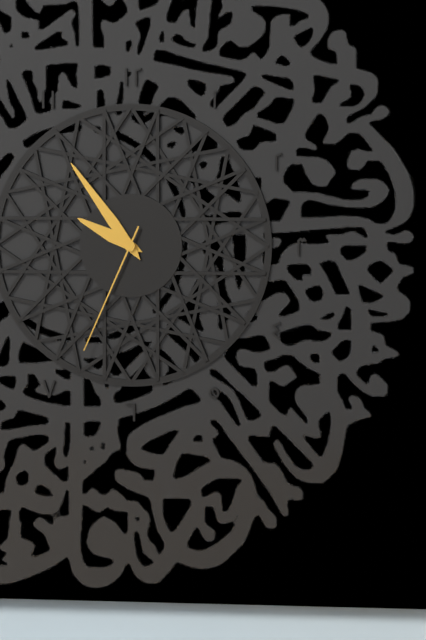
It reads 9,54,34
